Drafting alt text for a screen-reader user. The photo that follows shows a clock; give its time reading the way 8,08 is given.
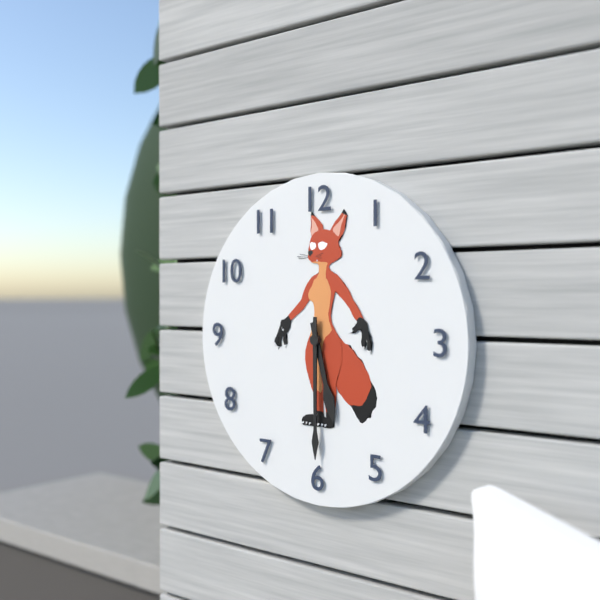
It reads 5,30
